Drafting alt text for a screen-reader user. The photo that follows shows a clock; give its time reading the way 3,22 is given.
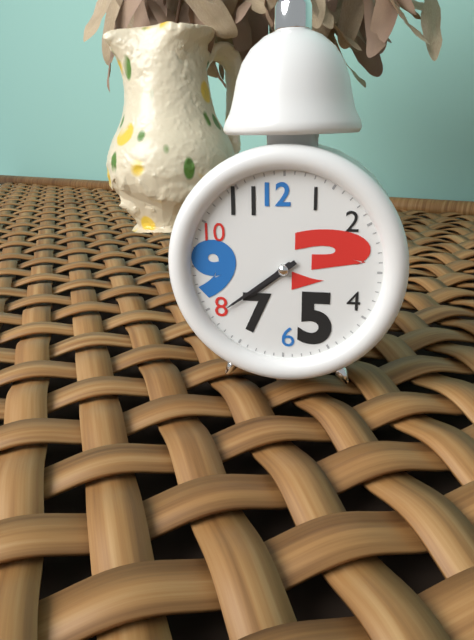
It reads 7,39
